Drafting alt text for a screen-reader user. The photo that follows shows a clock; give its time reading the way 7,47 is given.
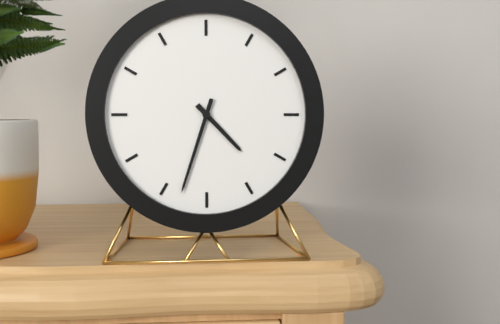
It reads 4,33
